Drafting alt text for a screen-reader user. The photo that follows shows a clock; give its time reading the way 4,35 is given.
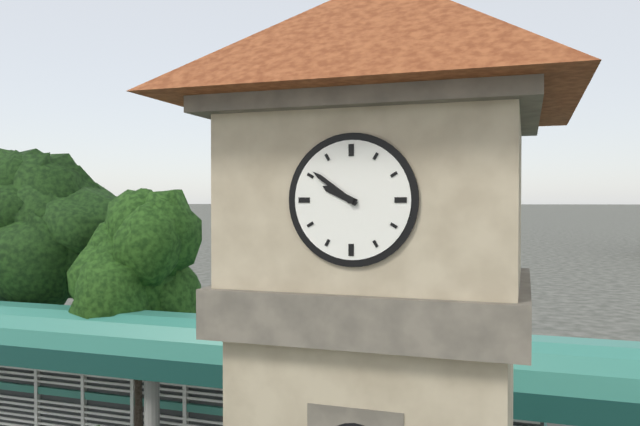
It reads 9,51
